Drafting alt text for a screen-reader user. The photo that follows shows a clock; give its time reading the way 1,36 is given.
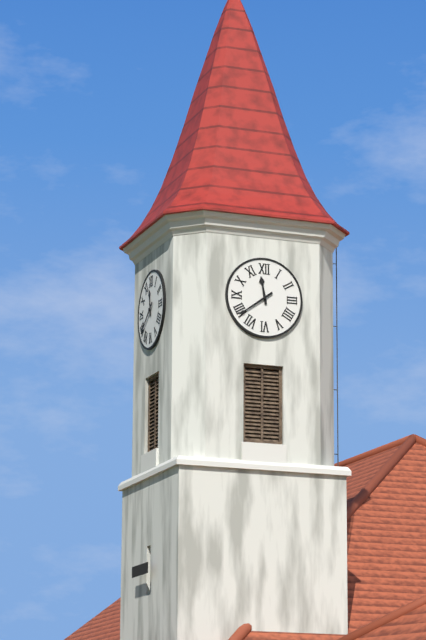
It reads 11,39
